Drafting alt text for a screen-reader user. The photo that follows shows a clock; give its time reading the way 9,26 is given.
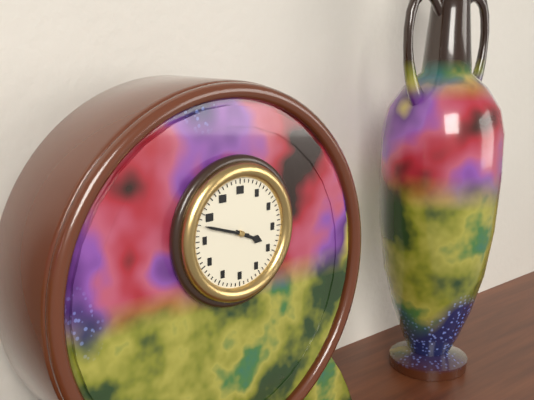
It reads 3,48
